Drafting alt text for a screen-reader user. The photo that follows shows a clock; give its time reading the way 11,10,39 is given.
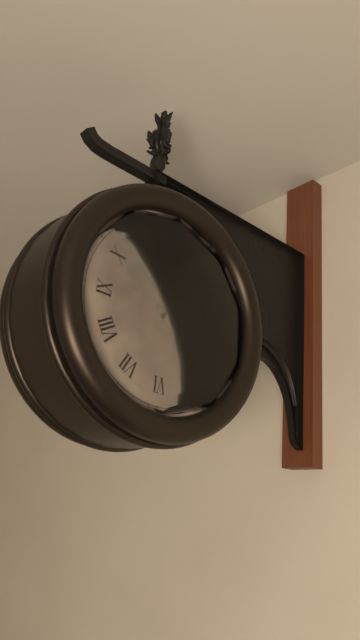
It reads 1,16,26
